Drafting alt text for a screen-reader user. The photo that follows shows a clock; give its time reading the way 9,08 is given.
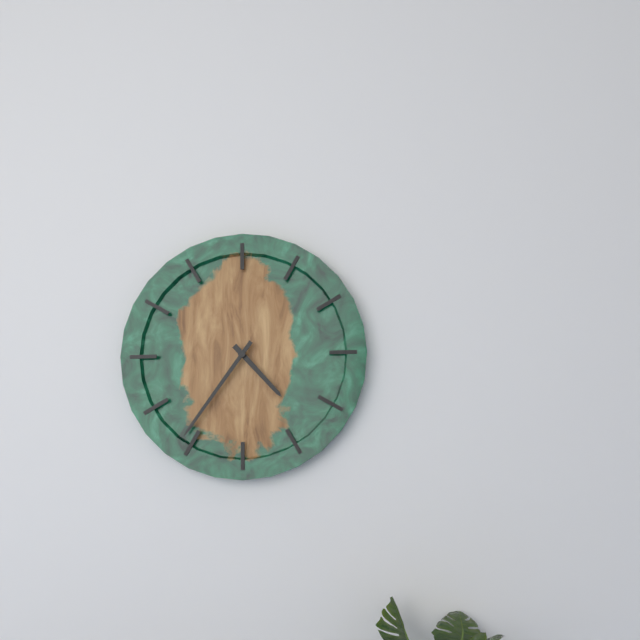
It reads 4,36
